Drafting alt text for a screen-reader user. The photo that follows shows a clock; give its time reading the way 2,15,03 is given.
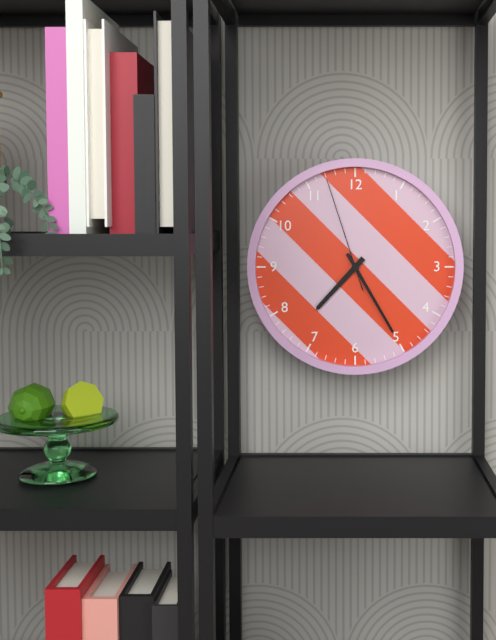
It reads 7,25,57
